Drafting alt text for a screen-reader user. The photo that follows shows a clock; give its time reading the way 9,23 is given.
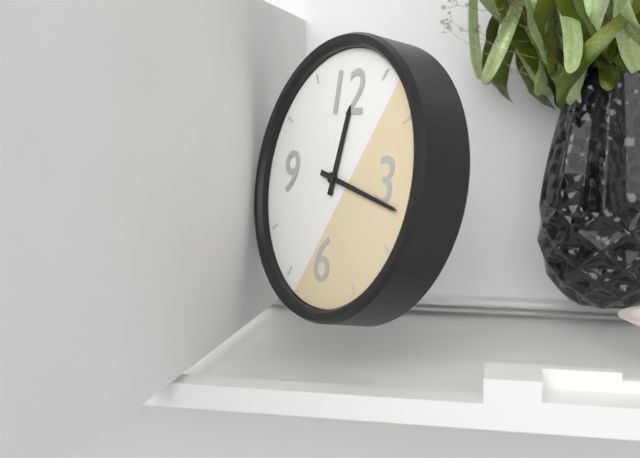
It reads 12,17
